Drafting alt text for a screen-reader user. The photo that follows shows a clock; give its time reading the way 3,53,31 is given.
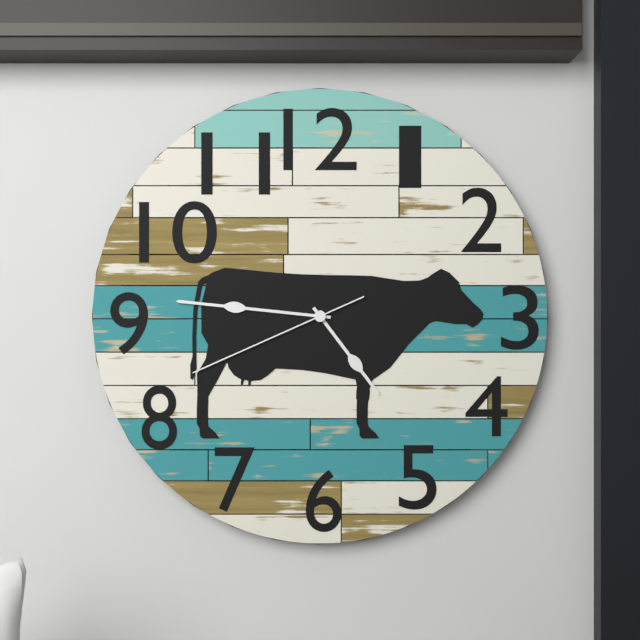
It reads 4,46,41
